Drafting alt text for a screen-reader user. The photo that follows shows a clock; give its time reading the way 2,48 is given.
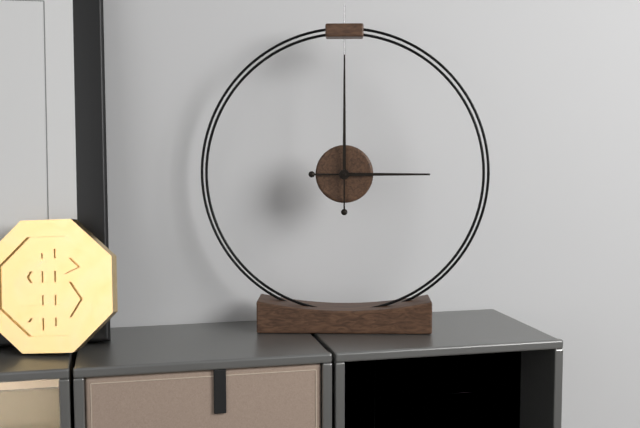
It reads 3,00
